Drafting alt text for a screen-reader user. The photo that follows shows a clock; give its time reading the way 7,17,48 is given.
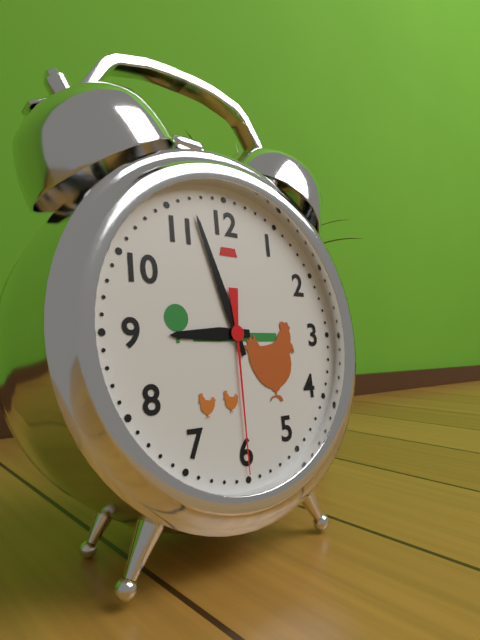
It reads 8,57,30
